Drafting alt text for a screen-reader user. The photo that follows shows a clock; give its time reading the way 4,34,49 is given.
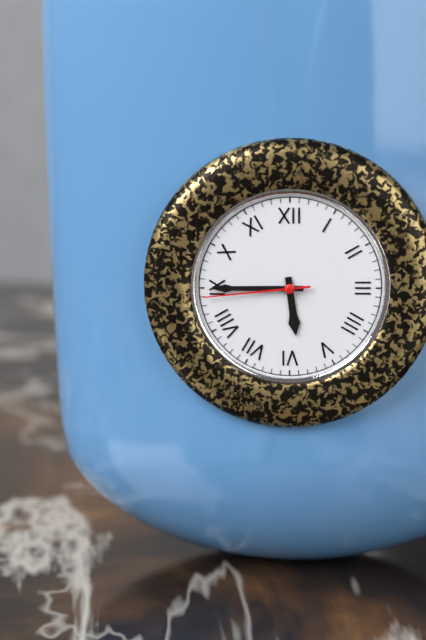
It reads 5,45,44
